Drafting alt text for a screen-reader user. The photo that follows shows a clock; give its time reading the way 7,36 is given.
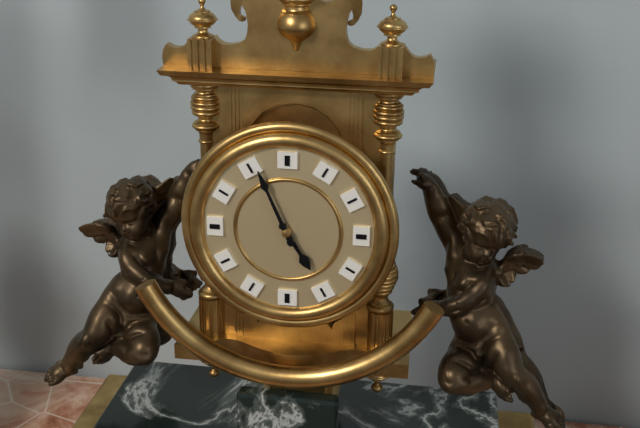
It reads 4,56
